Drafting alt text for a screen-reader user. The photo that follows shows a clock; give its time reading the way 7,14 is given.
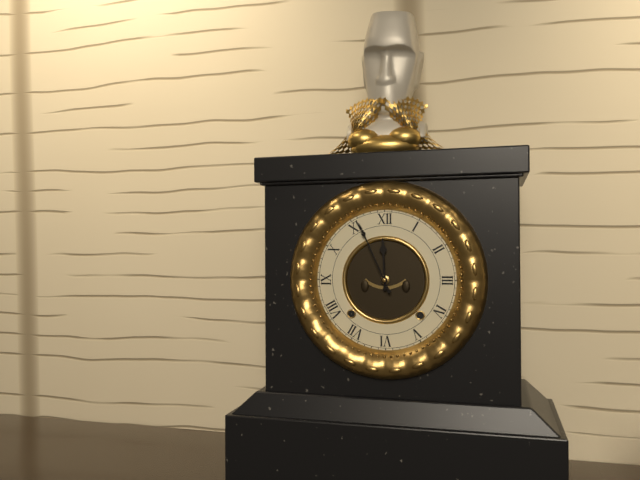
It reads 11,56
